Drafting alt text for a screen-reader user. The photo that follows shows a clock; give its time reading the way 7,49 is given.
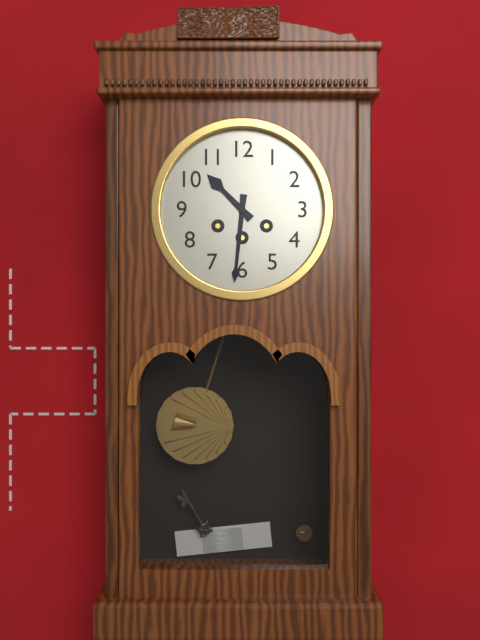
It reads 10,31
